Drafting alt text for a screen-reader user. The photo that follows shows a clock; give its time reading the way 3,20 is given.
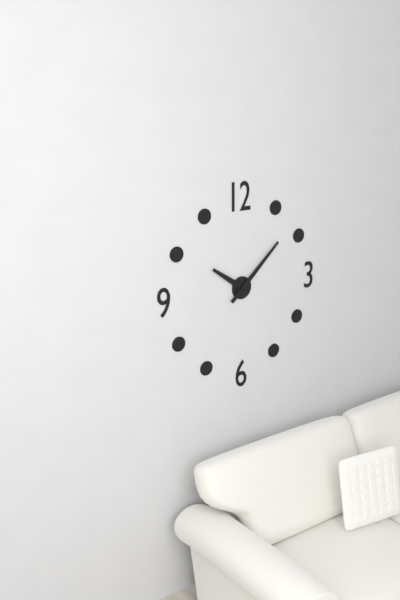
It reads 10,08
